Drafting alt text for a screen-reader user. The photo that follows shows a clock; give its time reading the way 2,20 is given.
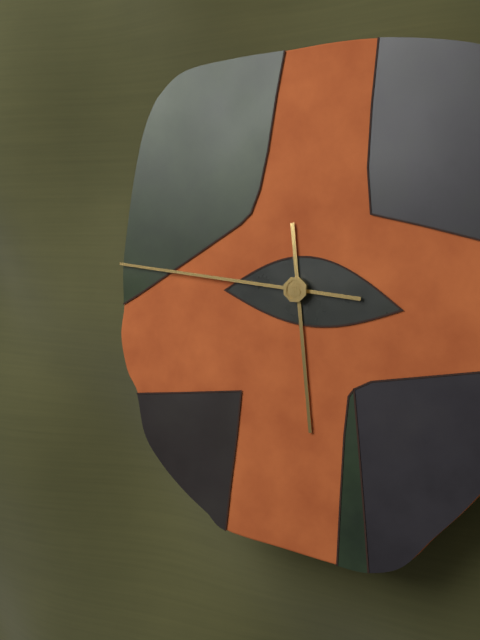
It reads 5,46
